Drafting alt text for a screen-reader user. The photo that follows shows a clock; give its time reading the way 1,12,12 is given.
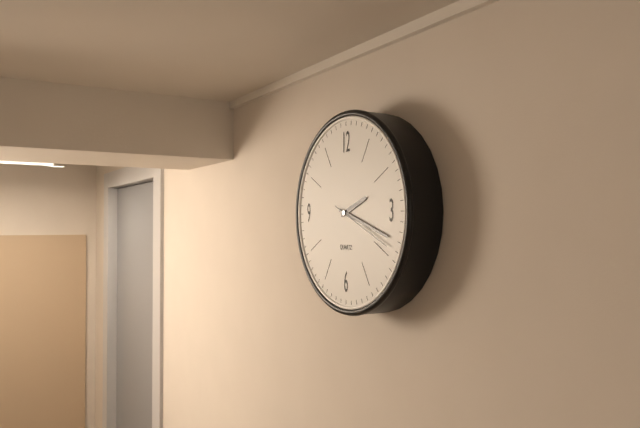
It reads 2,18,19
